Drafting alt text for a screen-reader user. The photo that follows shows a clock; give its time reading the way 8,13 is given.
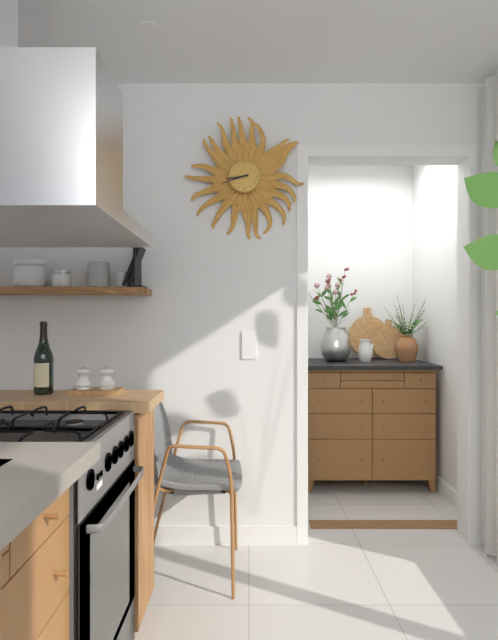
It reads 8,42
